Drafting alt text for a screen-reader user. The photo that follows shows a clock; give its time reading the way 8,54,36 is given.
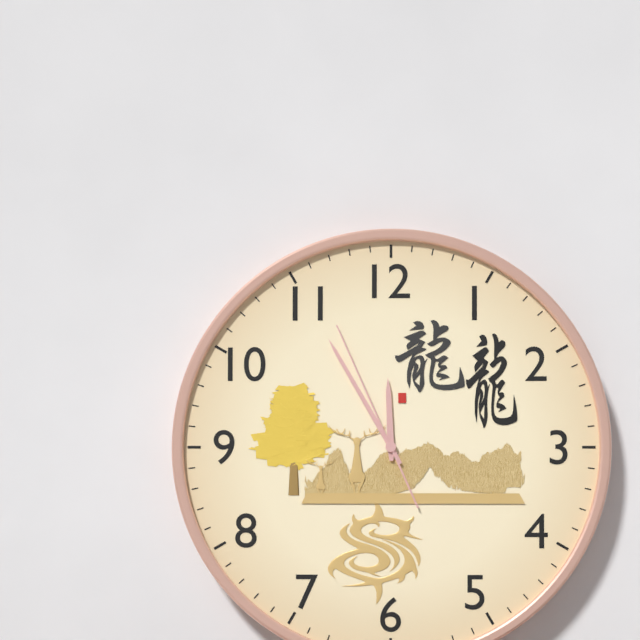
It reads 11,55,56
